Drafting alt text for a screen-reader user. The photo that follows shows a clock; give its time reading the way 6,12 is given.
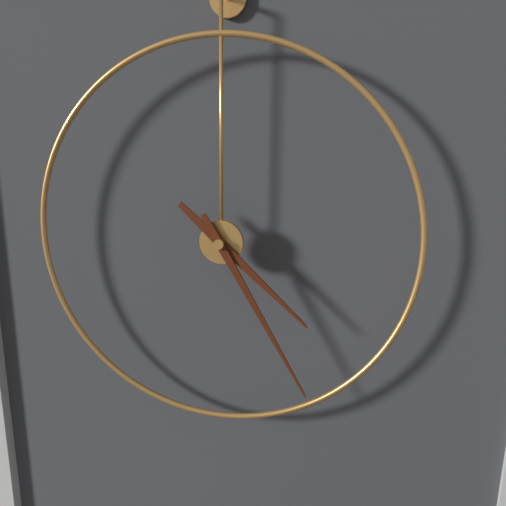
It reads 4,25
